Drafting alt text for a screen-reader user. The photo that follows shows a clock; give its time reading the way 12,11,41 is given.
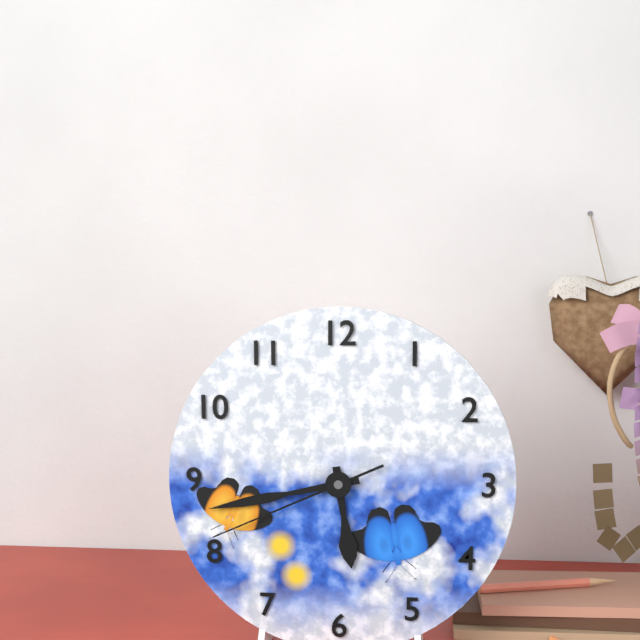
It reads 5,43,41
